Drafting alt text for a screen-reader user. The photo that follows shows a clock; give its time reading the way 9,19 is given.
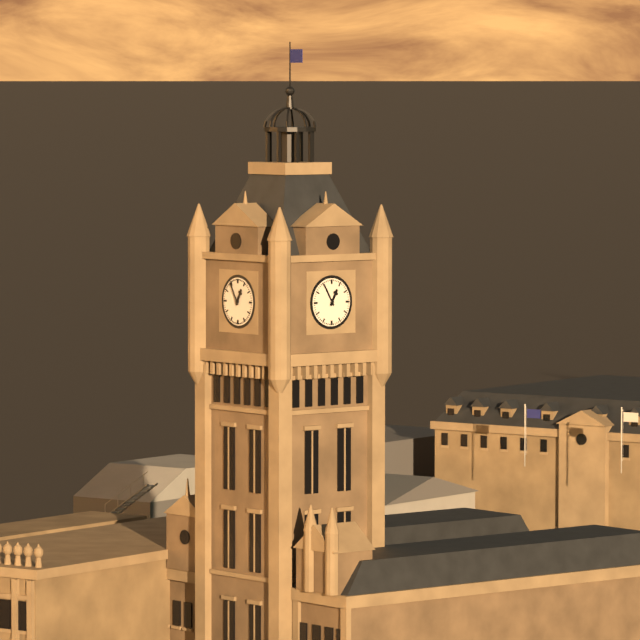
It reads 12,55
